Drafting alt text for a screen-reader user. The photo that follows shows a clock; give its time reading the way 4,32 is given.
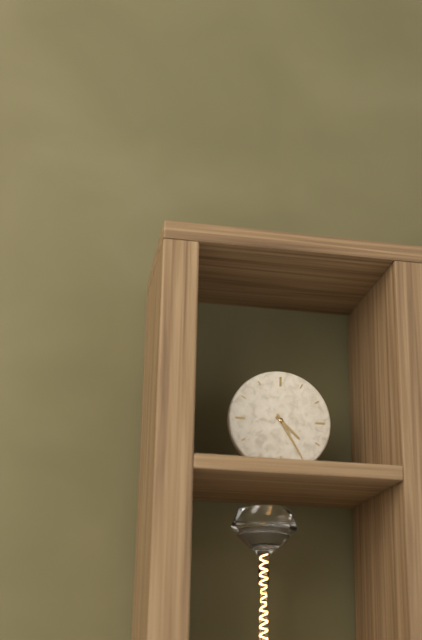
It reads 4,25
